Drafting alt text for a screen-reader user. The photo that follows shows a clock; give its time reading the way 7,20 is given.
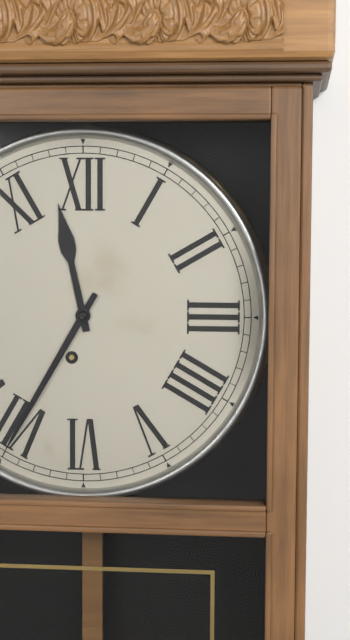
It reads 11,35
